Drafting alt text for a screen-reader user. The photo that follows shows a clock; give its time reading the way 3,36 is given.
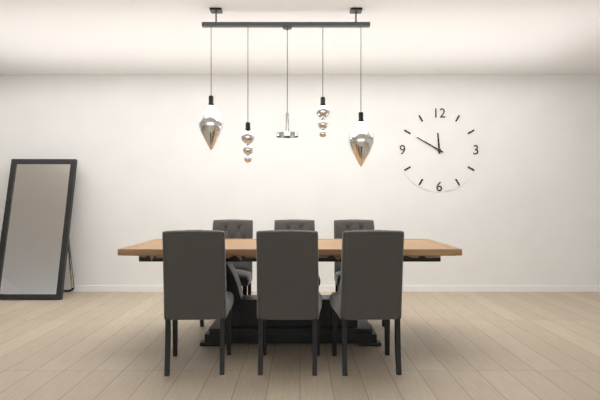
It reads 11,50
